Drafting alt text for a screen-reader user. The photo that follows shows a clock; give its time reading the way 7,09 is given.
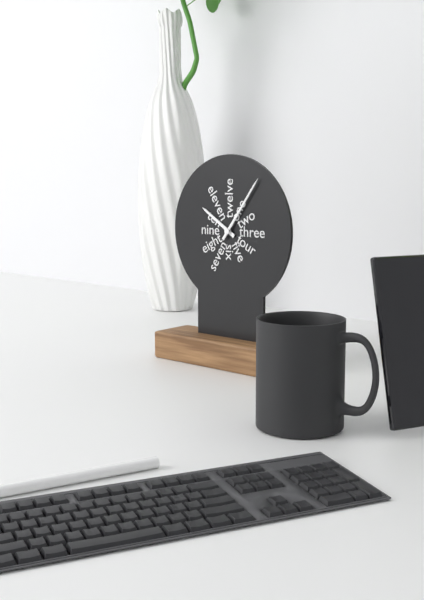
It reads 10,06
